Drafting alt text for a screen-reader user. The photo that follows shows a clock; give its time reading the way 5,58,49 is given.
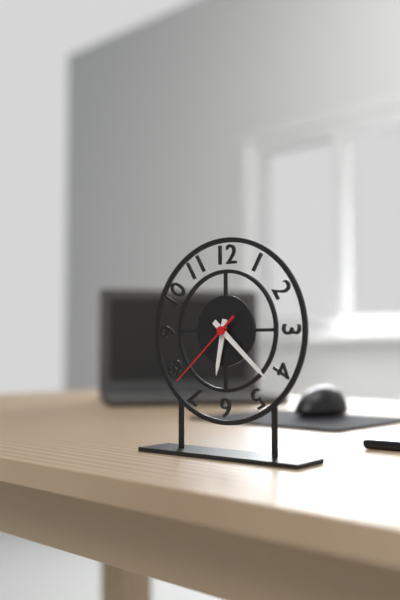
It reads 6,22,38
